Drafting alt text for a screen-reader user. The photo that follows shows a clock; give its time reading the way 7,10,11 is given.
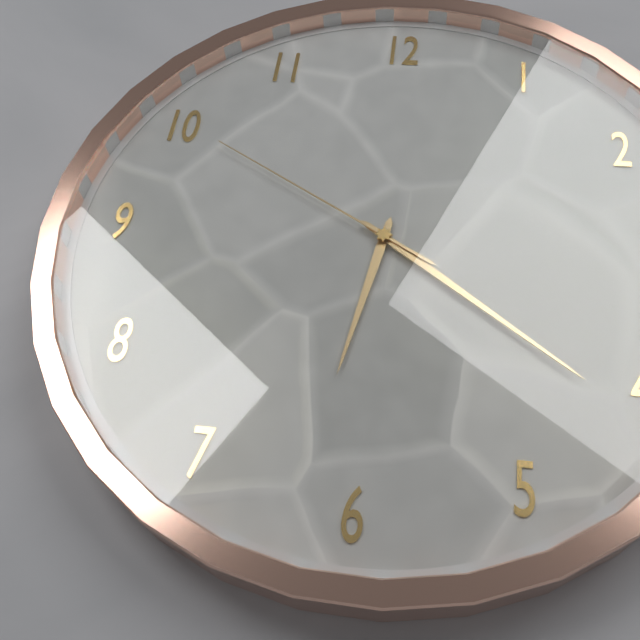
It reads 6,21,50
